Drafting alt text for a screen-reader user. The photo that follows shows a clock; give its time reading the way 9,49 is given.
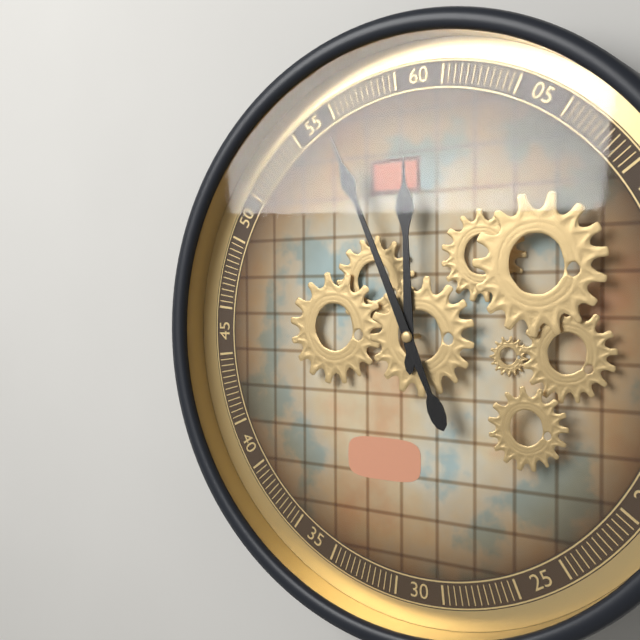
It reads 11,56
